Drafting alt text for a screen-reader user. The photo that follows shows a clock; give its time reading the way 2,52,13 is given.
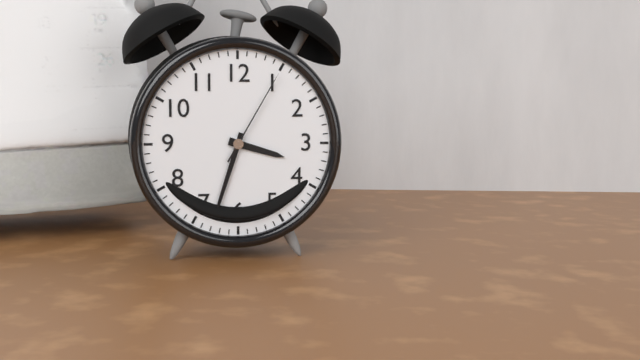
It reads 3,33,05
